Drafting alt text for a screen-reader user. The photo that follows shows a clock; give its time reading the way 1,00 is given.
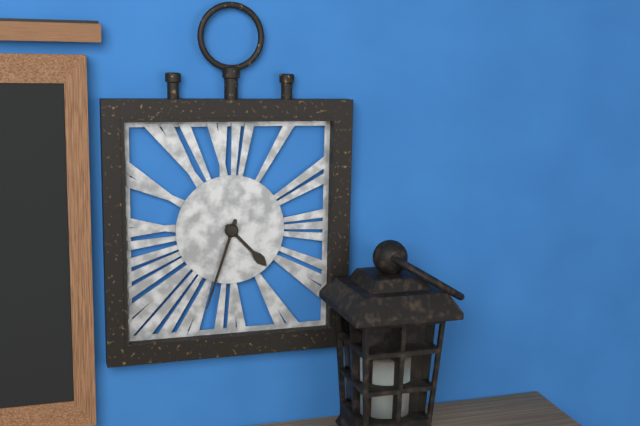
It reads 4,33
